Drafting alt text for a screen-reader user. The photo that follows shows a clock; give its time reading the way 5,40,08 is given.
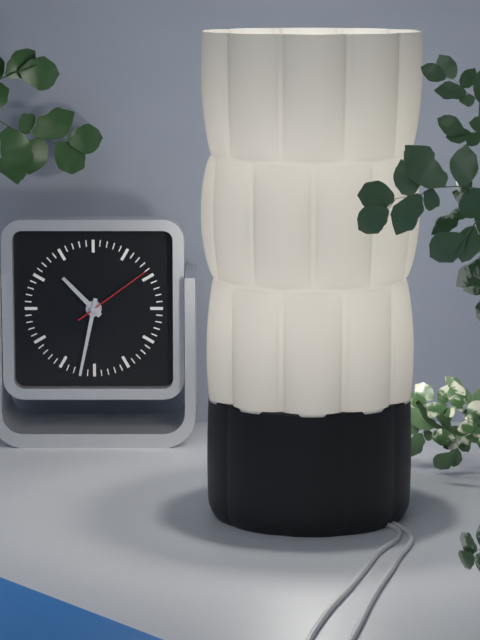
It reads 10,32,09
